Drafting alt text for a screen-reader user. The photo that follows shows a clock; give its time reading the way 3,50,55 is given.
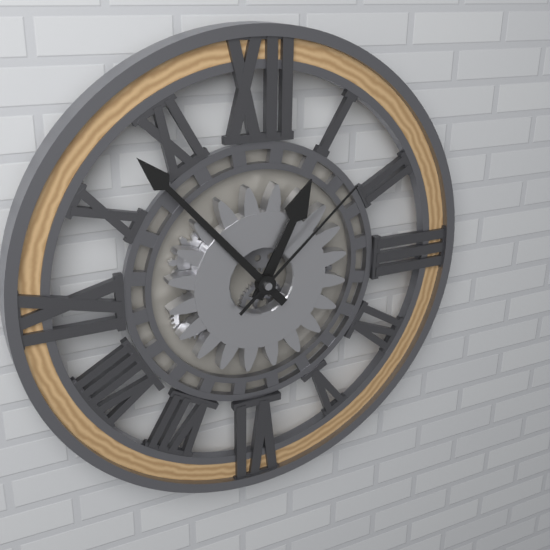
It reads 12,53,08
